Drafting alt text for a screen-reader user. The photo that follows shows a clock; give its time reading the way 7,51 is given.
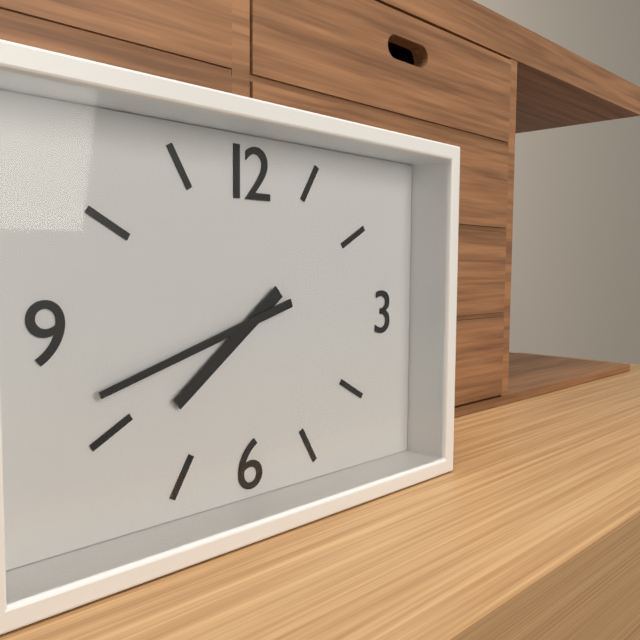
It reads 7,42
